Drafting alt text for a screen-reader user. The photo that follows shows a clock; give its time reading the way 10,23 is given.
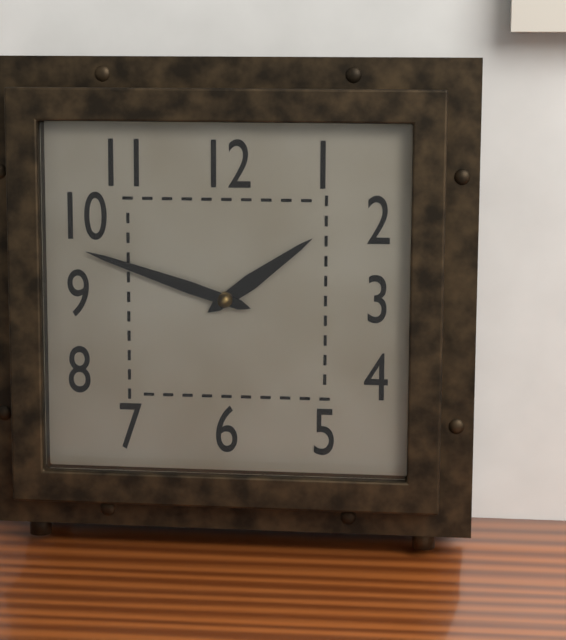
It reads 1,48
